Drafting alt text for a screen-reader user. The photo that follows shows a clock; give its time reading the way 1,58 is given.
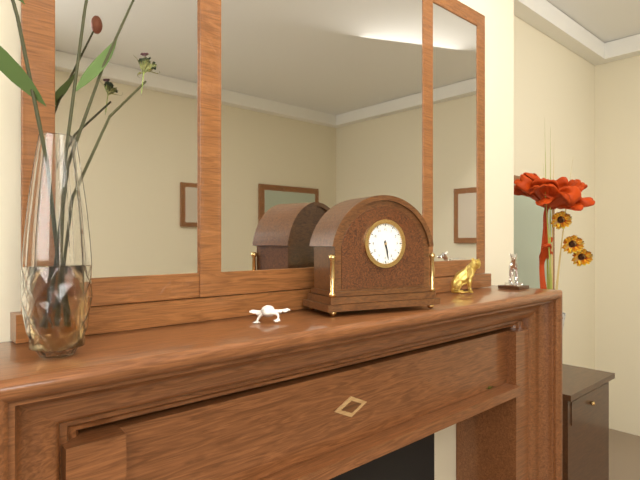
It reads 5,28
